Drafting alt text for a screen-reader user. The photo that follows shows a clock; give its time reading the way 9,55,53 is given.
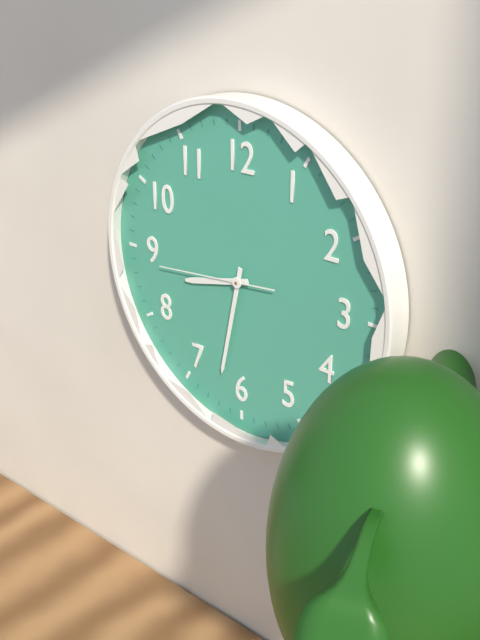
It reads 8,32,44
